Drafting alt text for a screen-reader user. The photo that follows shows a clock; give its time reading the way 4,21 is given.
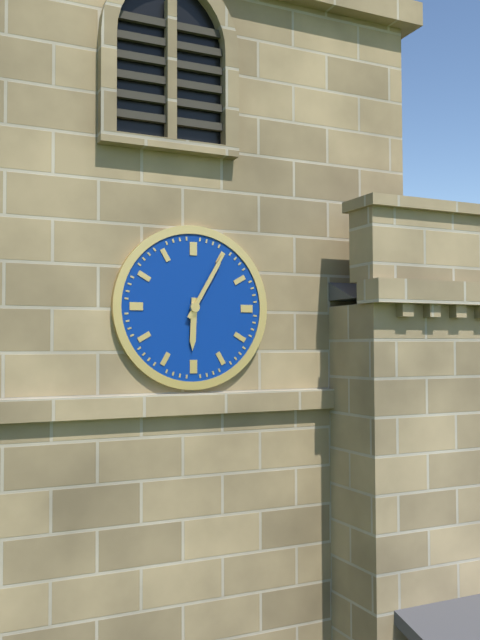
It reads 6,05
